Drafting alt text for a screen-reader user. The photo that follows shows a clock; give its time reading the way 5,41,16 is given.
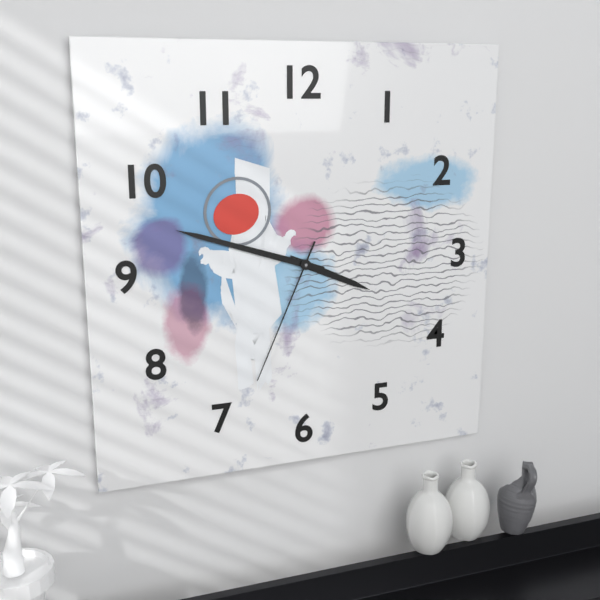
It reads 3,48,34
